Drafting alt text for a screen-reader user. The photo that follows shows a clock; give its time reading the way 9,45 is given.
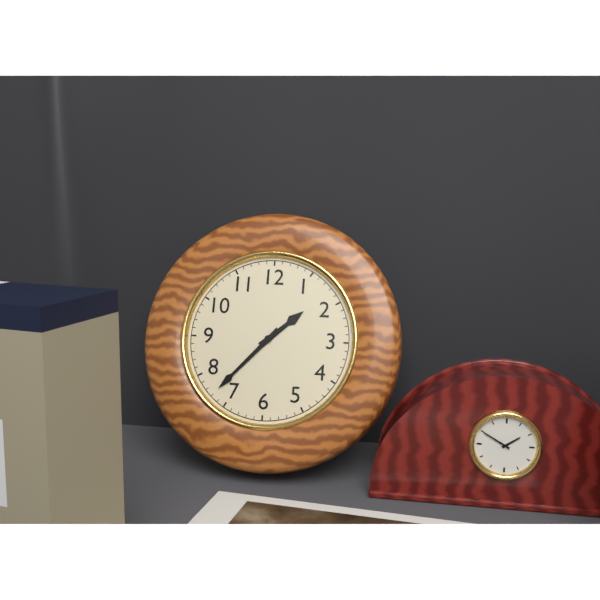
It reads 1,37
